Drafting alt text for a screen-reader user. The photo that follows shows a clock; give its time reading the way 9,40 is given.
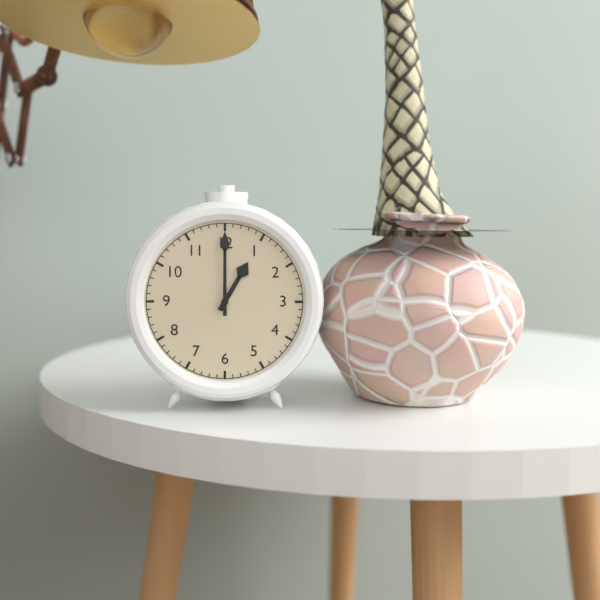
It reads 1,00
